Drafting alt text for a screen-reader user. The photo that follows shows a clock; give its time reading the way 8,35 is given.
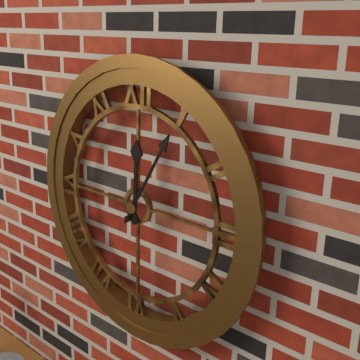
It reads 12,05
